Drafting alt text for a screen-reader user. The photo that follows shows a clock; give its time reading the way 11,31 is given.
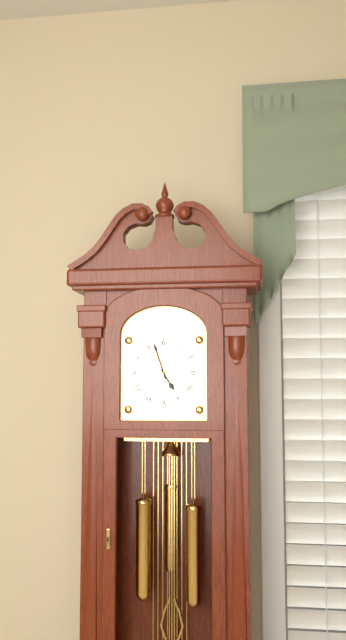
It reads 4,57
